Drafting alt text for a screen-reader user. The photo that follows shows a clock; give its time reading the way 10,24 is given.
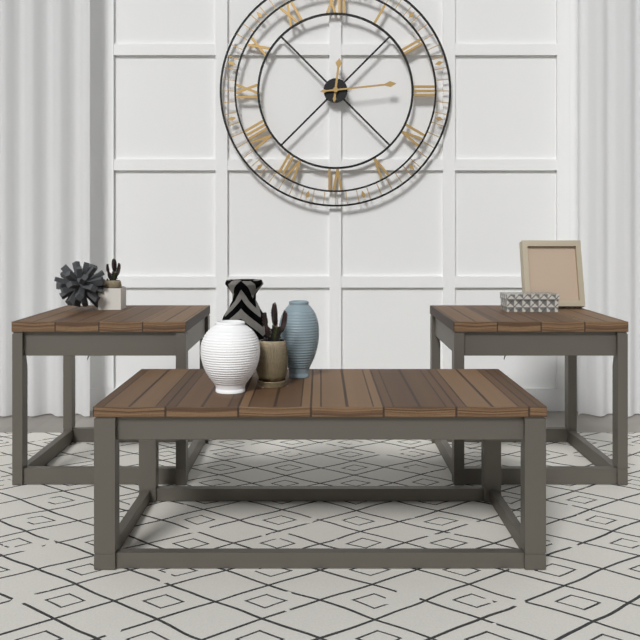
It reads 12,14
